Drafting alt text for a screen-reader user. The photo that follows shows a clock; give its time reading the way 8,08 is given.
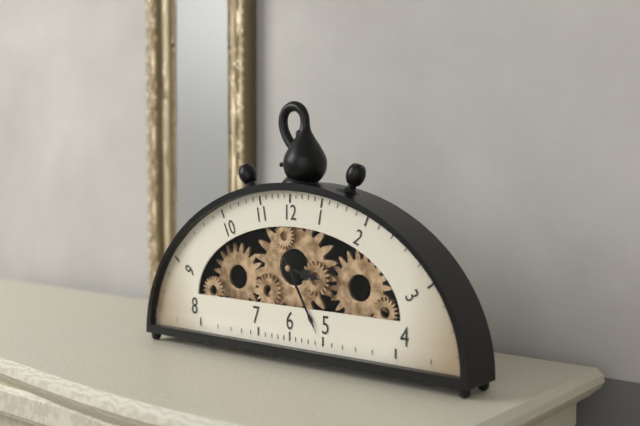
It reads 3,25
